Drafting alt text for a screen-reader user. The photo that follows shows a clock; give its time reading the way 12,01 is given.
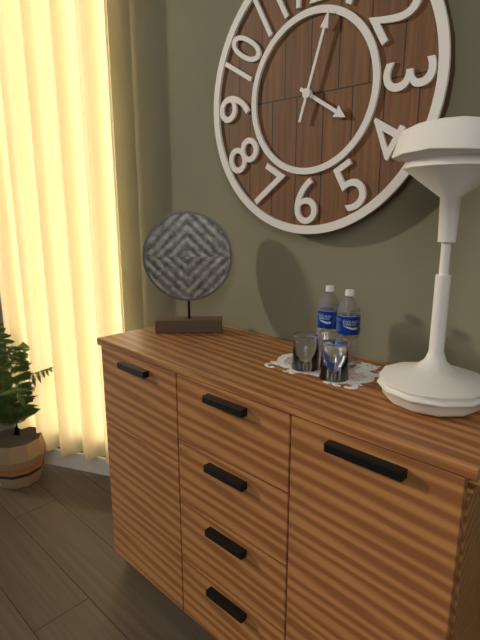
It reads 4,03
